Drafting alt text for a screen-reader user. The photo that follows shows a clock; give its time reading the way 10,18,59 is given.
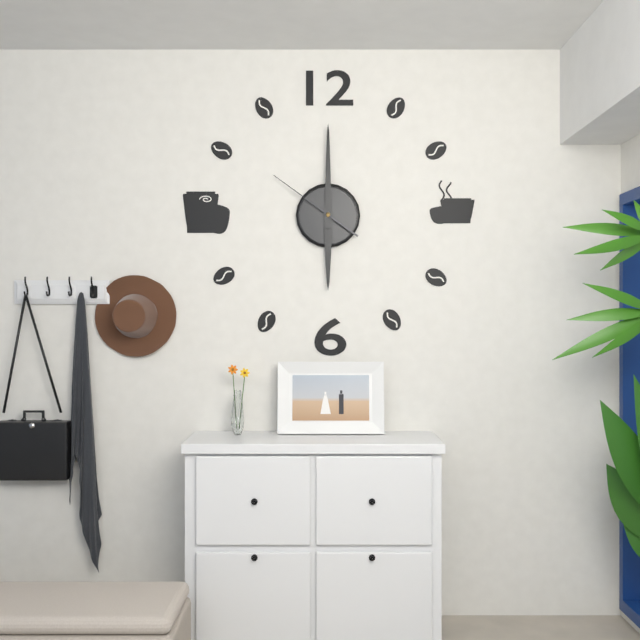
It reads 6,00,51
